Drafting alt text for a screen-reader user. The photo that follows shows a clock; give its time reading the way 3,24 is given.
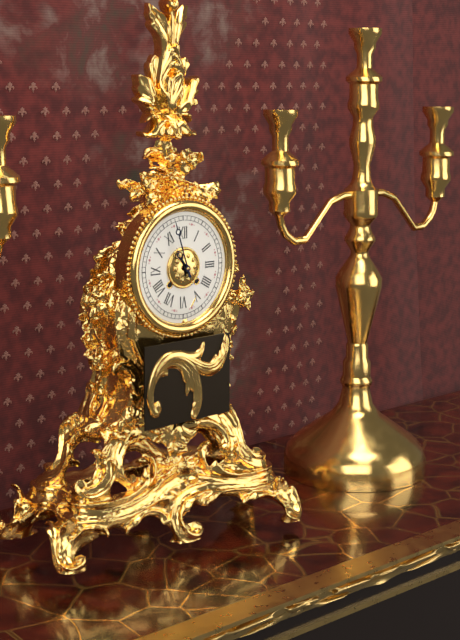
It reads 10,57
